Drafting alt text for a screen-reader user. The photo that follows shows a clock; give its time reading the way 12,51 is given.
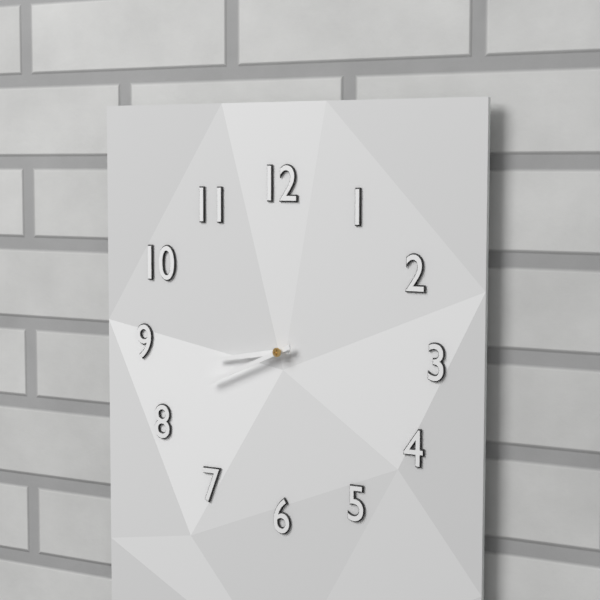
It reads 8,41
